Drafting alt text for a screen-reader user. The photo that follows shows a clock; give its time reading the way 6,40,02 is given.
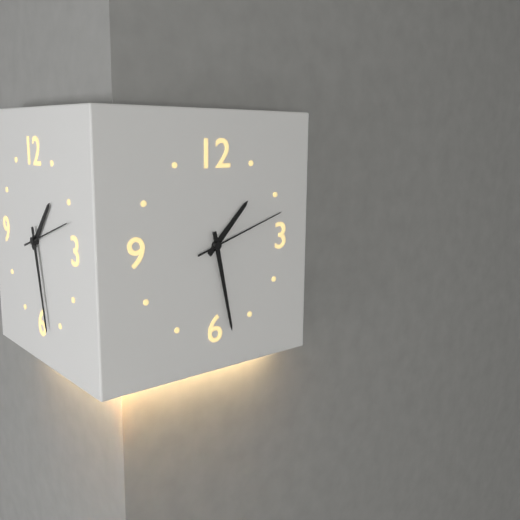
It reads 1,28,12
